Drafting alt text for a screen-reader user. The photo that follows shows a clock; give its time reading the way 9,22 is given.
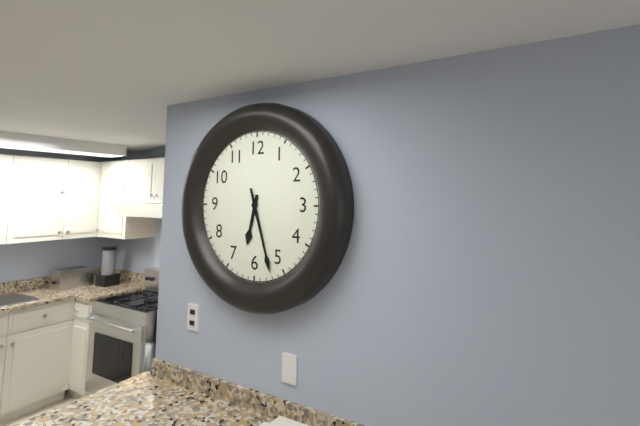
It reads 6,27
